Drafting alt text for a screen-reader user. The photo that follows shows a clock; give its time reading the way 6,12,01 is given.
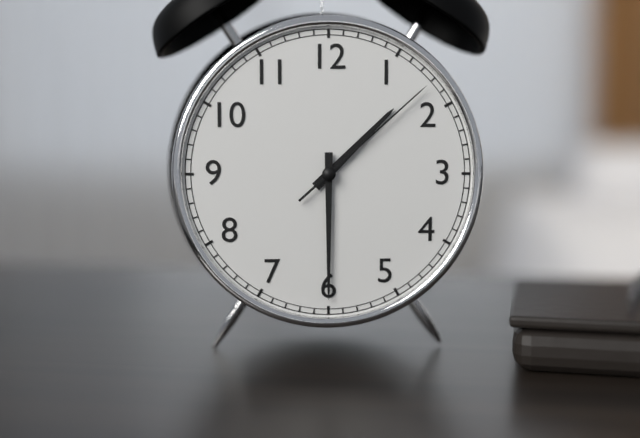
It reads 1,30,08
